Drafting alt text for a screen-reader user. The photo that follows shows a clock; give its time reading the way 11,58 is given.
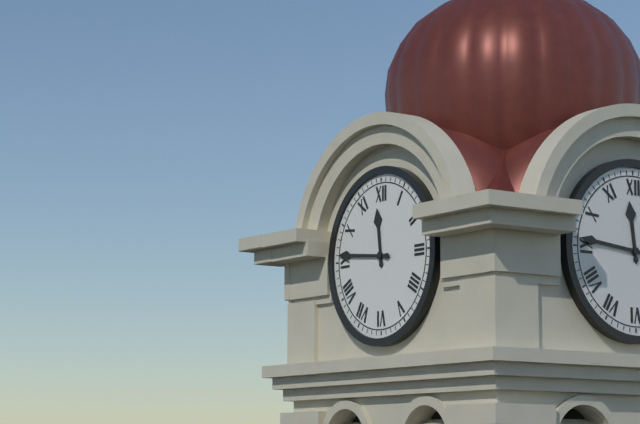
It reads 11,46
